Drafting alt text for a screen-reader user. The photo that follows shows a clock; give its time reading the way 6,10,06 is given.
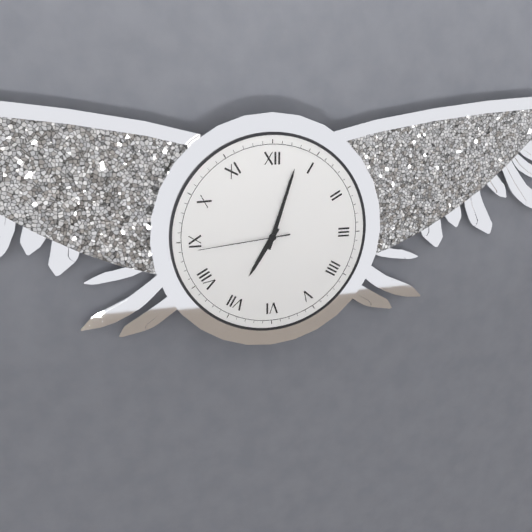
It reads 7,03,44
